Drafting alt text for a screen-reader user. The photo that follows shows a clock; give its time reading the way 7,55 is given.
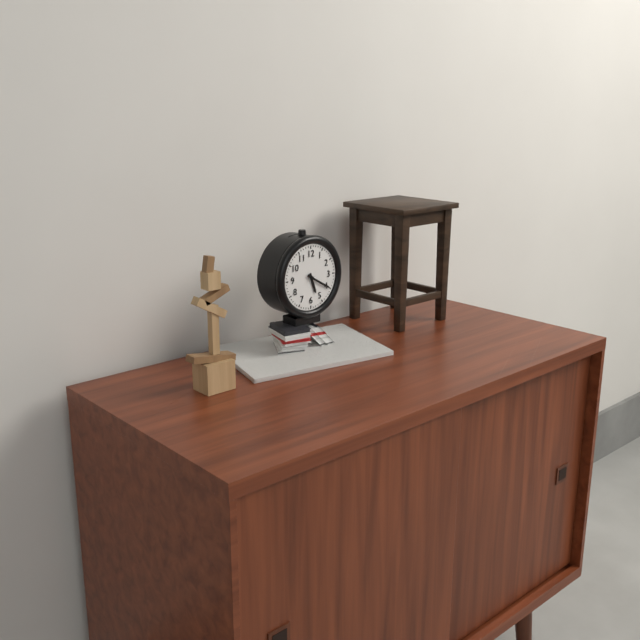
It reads 5,20
